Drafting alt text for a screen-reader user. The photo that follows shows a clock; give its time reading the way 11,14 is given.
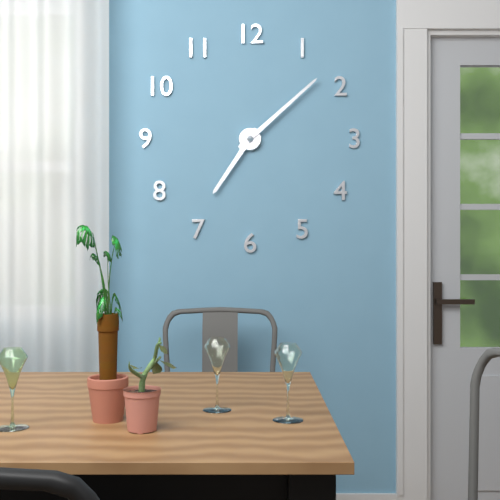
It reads 7,08
